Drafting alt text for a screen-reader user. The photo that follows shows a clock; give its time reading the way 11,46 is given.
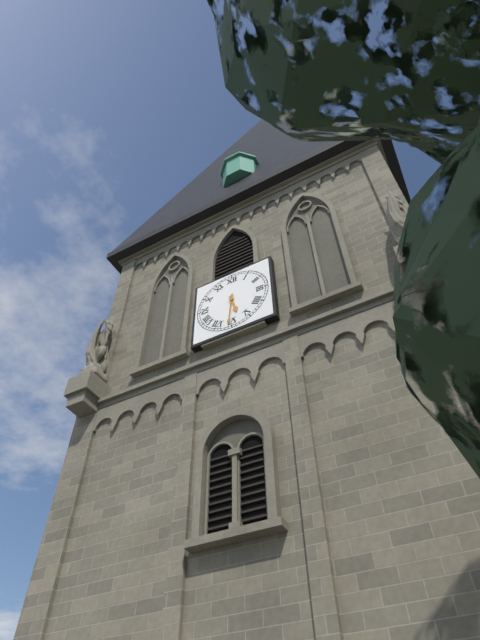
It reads 5,31
